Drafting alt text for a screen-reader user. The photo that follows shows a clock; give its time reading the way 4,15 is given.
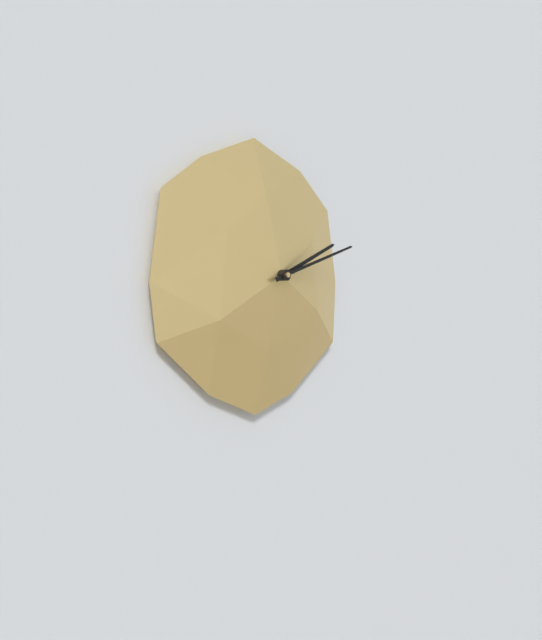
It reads 2,12
